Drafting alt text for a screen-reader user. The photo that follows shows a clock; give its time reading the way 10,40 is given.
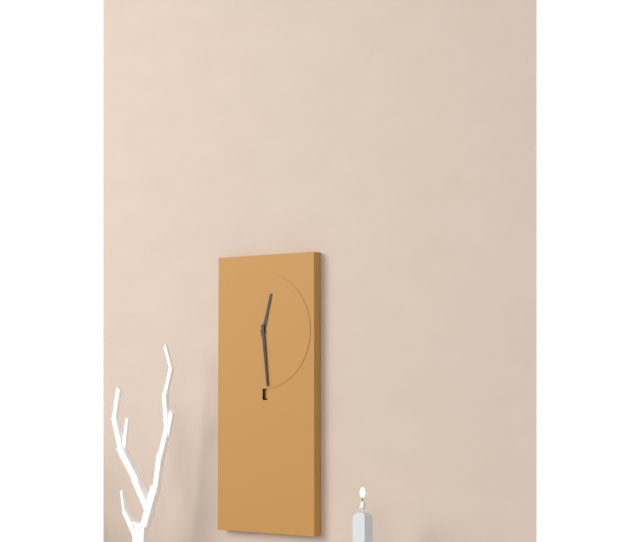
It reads 12,29
